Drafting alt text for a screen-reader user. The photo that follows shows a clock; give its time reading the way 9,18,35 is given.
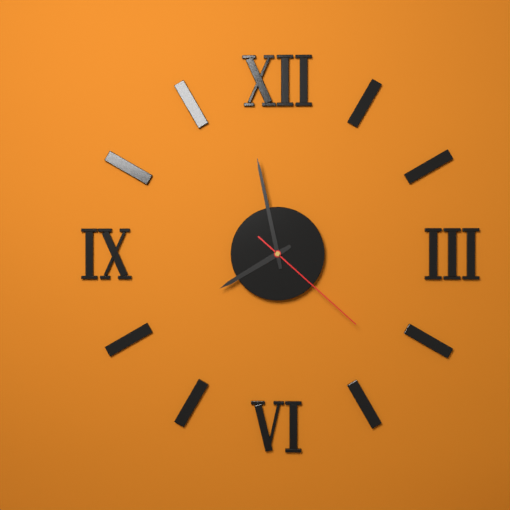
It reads 7,58,22
